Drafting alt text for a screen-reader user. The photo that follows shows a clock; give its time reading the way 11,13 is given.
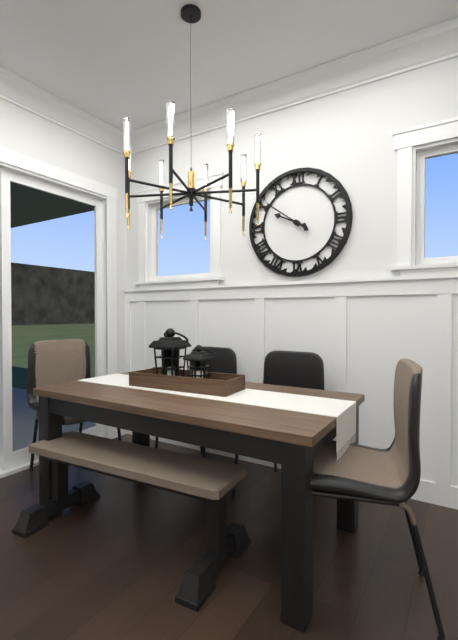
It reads 9,51
